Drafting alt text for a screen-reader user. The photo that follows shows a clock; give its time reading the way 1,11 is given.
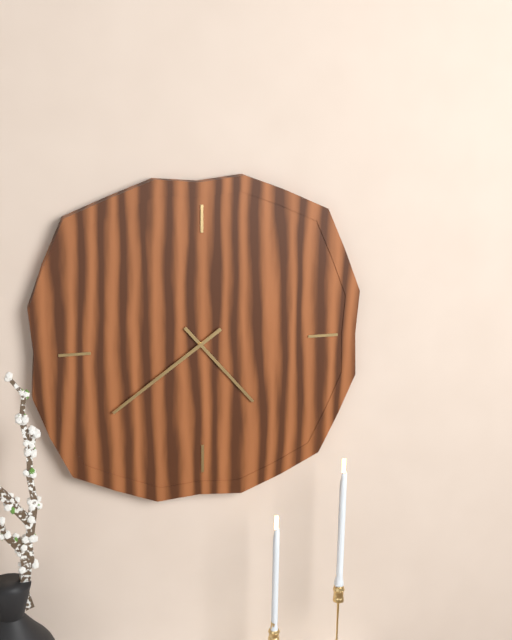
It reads 4,39
